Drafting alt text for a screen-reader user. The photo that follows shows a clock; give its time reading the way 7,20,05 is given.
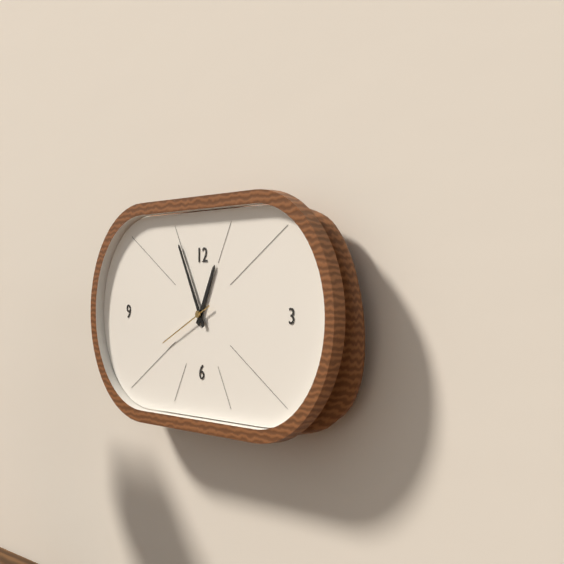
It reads 12,55,41
